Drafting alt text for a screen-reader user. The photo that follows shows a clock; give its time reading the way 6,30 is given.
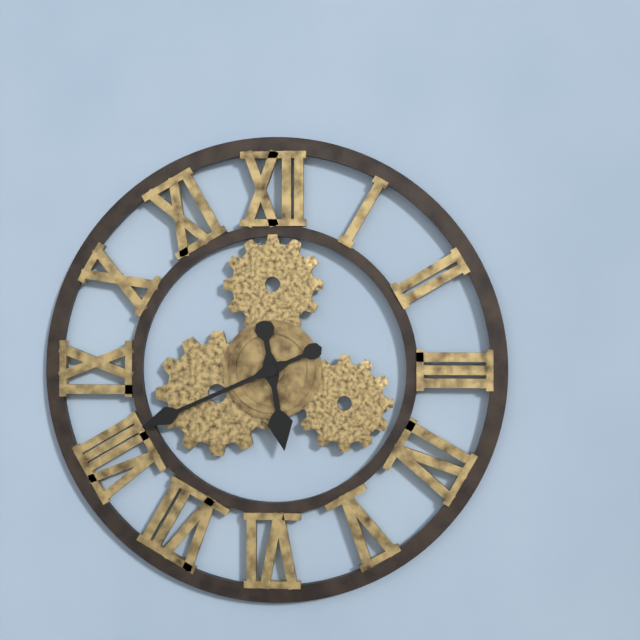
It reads 5,41
